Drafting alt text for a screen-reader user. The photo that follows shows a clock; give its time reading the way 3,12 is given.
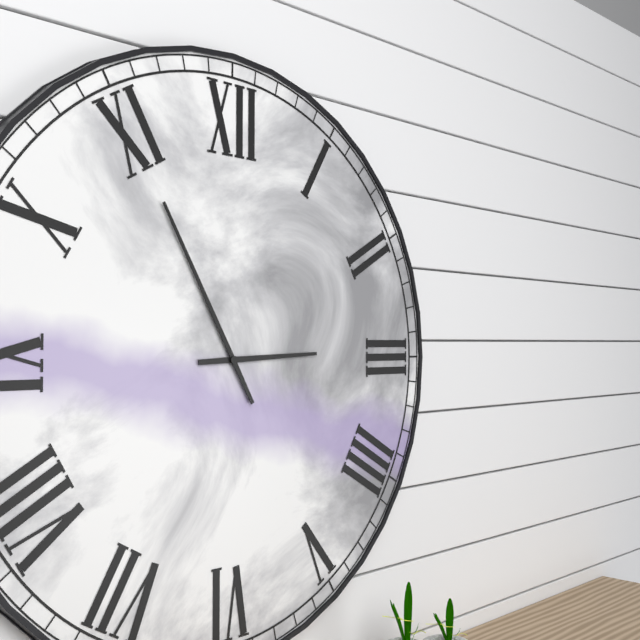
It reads 2,55
